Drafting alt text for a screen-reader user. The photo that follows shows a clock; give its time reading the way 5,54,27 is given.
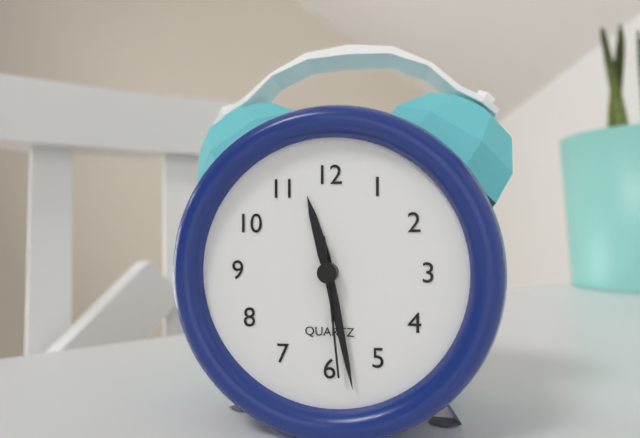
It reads 11,28,29
